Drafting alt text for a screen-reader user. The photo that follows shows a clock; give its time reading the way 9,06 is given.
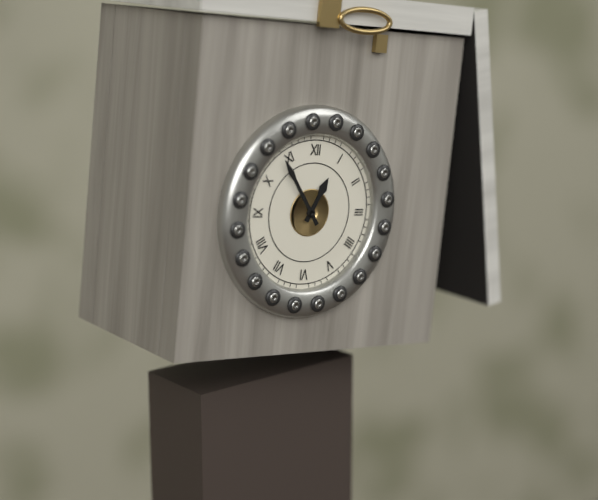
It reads 12,54
